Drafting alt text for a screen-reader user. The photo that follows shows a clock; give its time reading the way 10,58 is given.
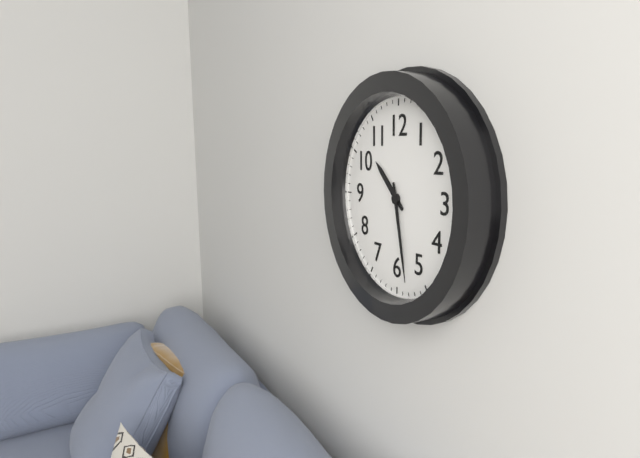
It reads 10,28
